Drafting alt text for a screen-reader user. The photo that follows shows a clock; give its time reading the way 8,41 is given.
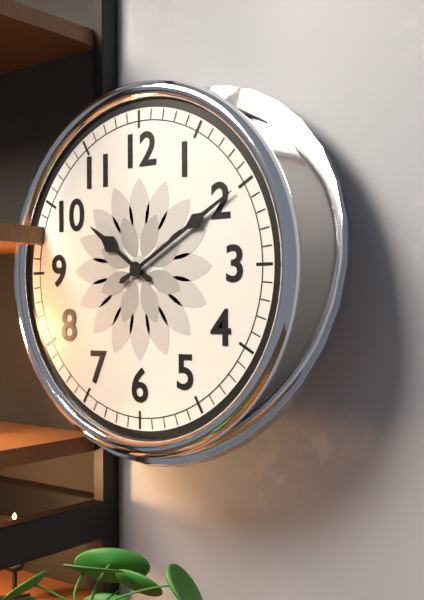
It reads 10,10
